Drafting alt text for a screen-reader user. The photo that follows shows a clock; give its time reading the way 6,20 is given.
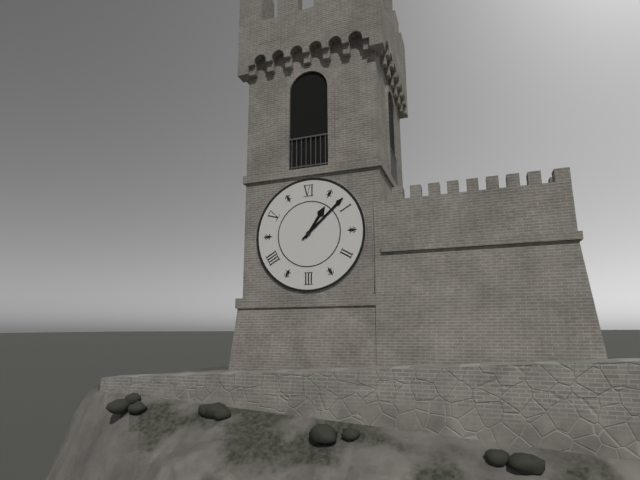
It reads 1,08
